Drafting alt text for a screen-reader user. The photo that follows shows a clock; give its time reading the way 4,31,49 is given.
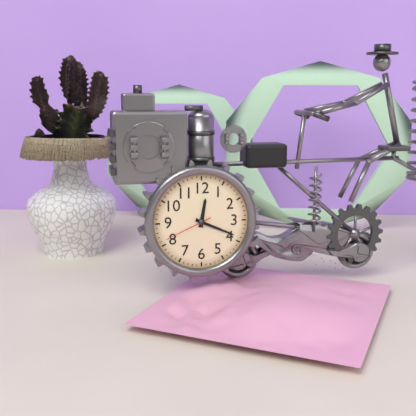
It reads 12,19,41
